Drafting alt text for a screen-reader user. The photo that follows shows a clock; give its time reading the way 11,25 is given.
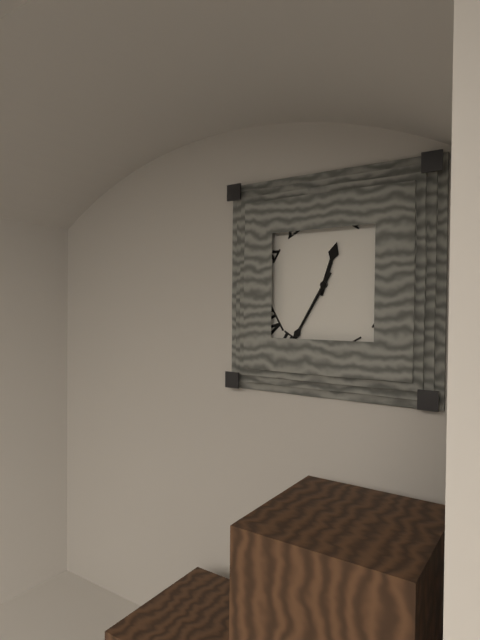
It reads 12,35
